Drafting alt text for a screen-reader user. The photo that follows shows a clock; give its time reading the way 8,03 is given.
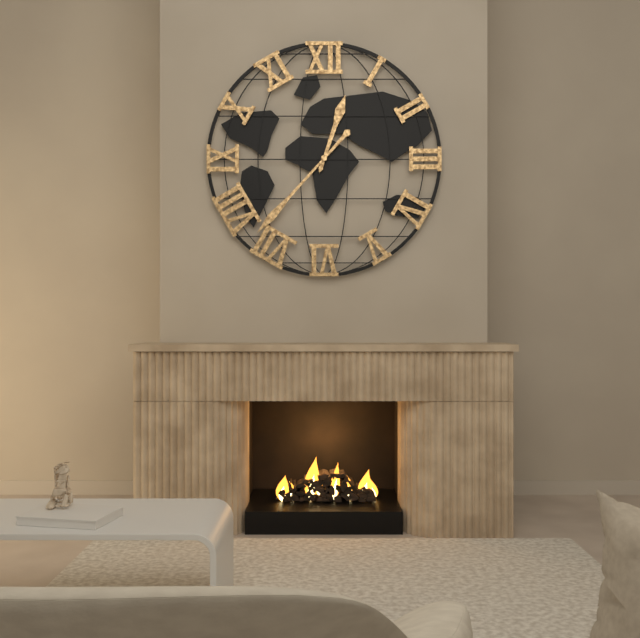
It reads 12,37
